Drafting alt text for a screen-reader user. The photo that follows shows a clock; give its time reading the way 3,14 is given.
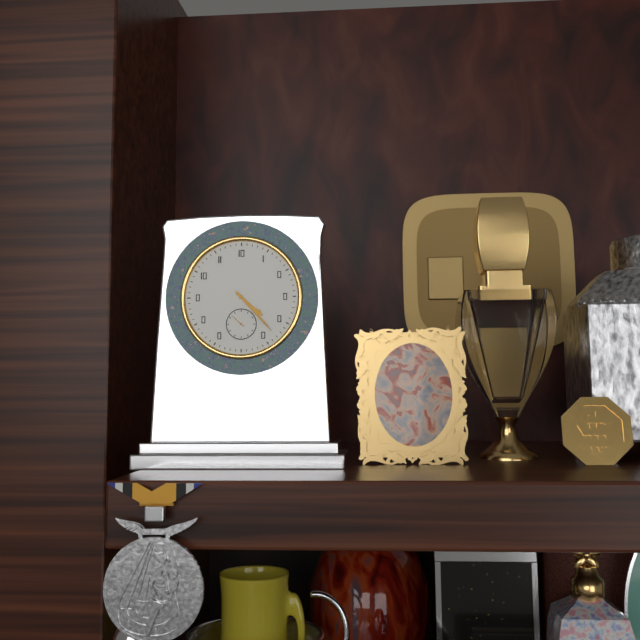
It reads 4,23
